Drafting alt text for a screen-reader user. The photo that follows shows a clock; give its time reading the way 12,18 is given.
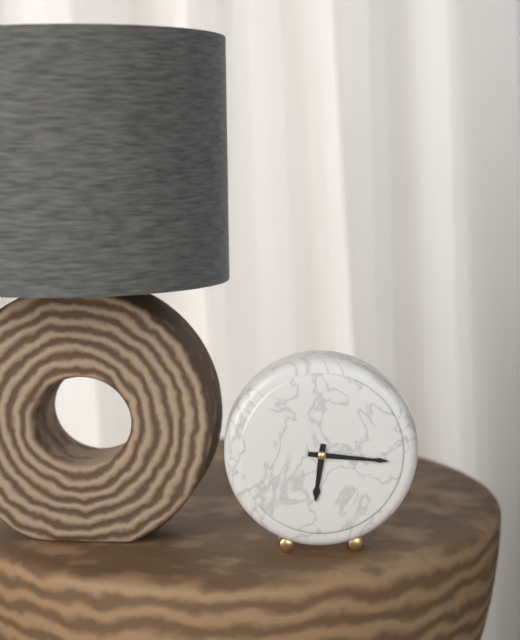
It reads 6,16
